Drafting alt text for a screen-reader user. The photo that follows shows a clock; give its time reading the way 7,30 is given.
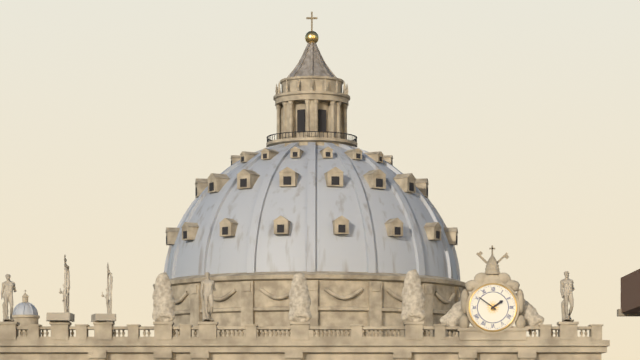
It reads 1,51
